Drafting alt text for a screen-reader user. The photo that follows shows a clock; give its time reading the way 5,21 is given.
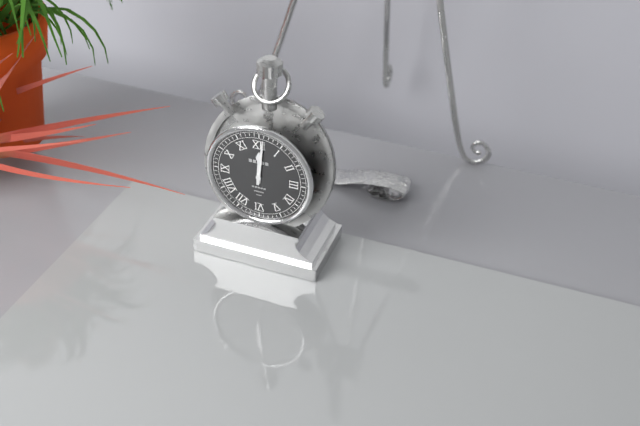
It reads 12,01
